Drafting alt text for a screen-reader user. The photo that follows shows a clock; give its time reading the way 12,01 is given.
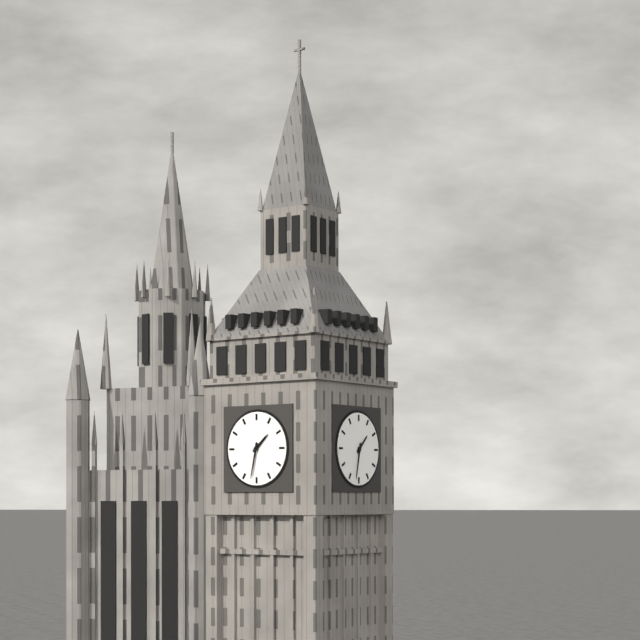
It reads 1,32
